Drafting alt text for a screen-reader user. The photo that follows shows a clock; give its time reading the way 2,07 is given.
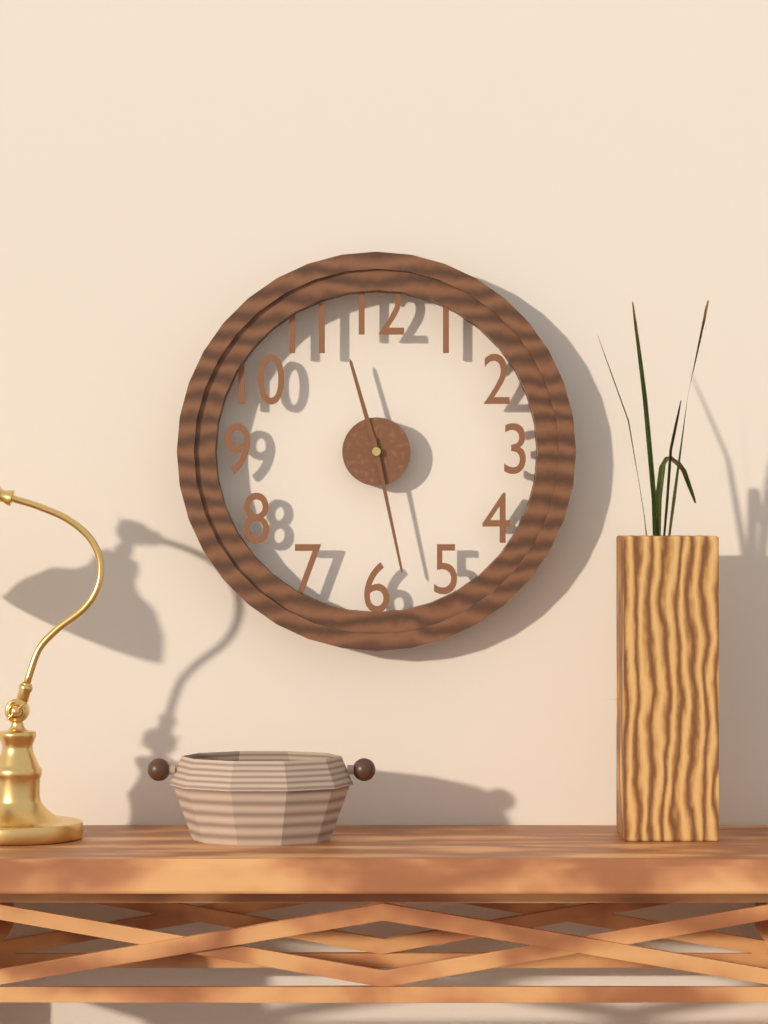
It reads 11,28
